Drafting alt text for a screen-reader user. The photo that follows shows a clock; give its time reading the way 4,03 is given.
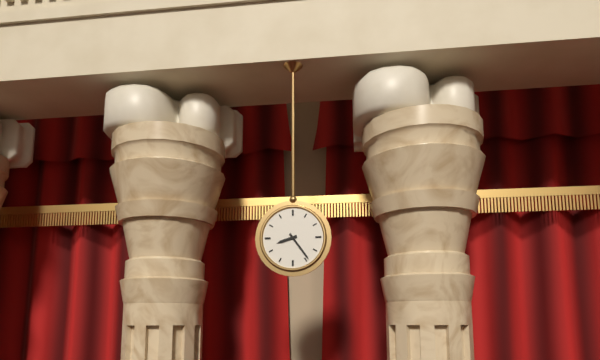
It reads 8,24
